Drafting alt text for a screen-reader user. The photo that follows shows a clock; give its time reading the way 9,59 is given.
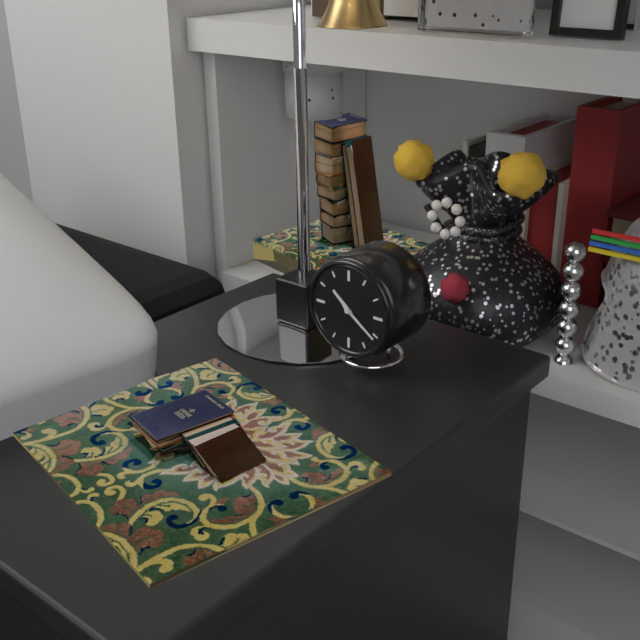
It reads 10,21
